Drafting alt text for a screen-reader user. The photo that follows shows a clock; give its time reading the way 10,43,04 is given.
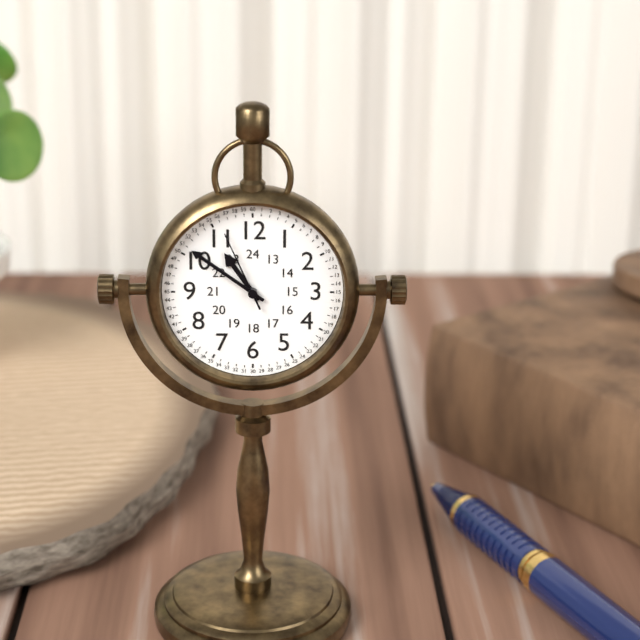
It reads 10,51,56
